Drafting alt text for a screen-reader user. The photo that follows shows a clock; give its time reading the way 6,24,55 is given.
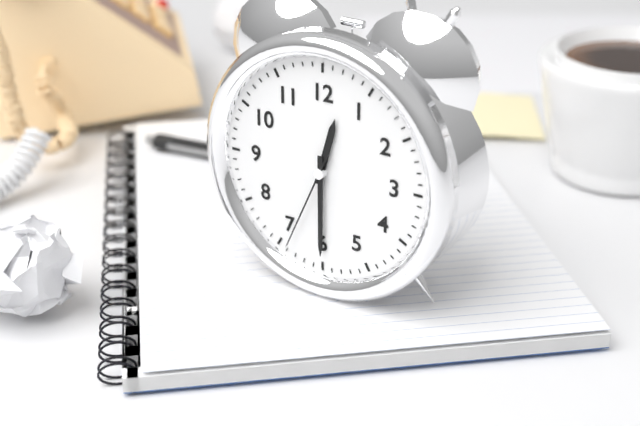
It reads 12,30,34
